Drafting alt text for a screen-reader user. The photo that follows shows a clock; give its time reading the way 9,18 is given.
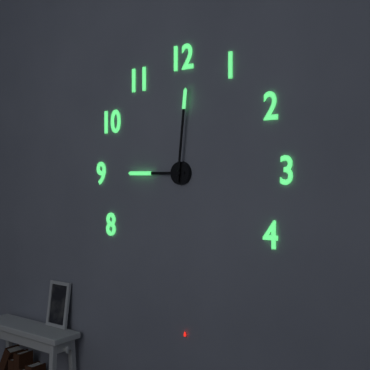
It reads 9,01
